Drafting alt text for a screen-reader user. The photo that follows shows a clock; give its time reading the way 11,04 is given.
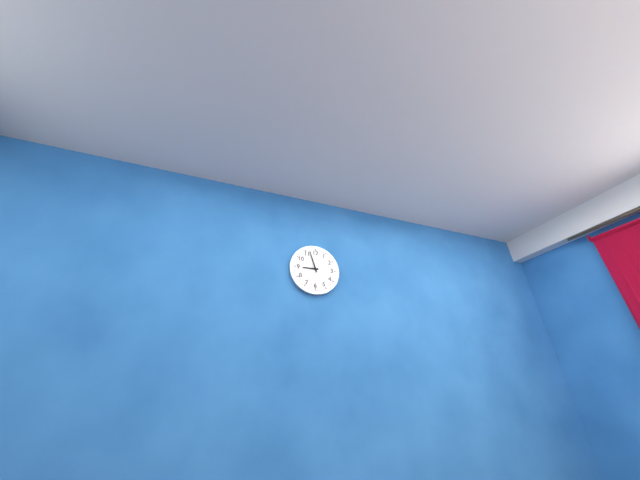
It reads 8,57
